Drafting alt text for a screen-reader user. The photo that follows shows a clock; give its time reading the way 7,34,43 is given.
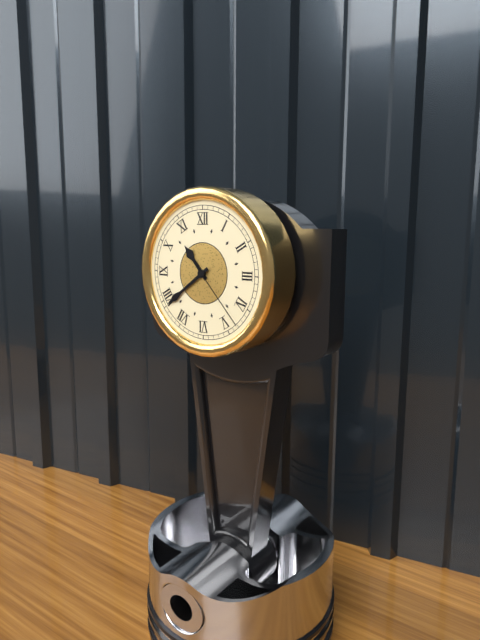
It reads 10,39,23
